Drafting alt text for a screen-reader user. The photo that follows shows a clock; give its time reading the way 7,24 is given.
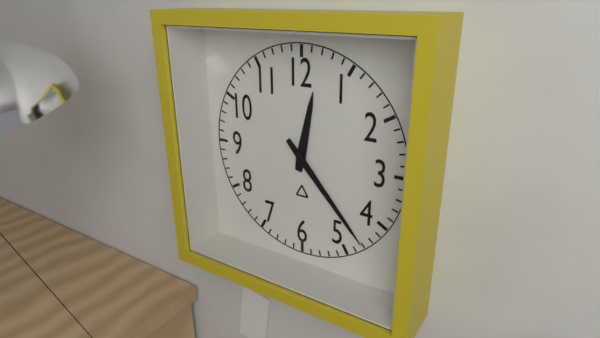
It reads 12,23
